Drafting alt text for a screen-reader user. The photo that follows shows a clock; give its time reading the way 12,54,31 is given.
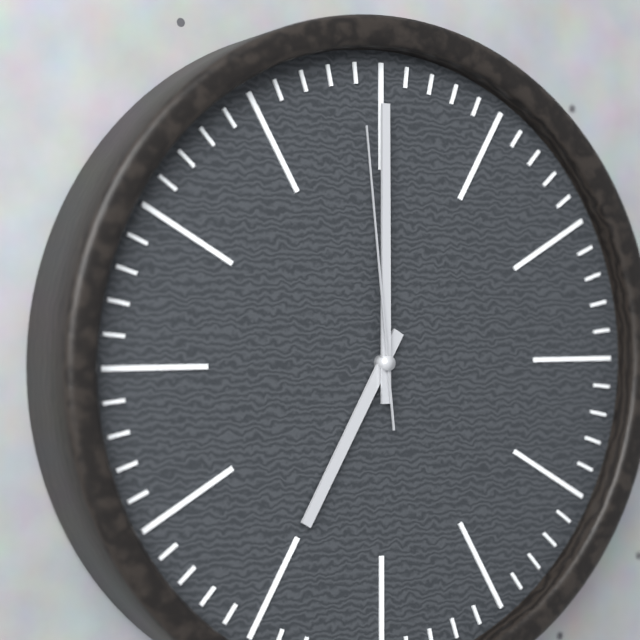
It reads 7,00,59
